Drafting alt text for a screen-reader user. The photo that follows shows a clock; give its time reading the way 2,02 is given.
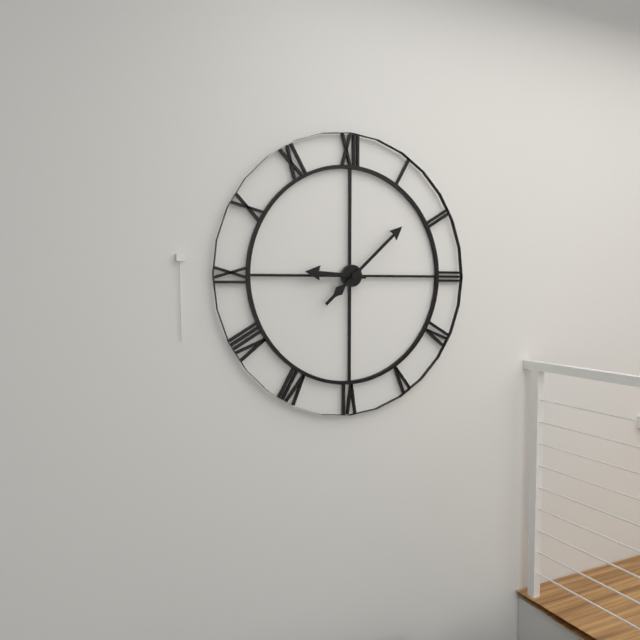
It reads 9,08
